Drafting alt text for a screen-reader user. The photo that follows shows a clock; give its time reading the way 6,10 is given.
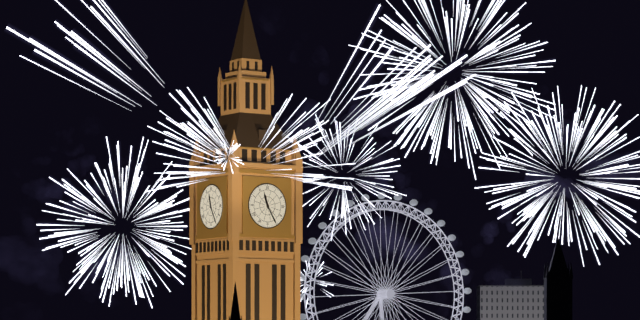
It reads 11,25
